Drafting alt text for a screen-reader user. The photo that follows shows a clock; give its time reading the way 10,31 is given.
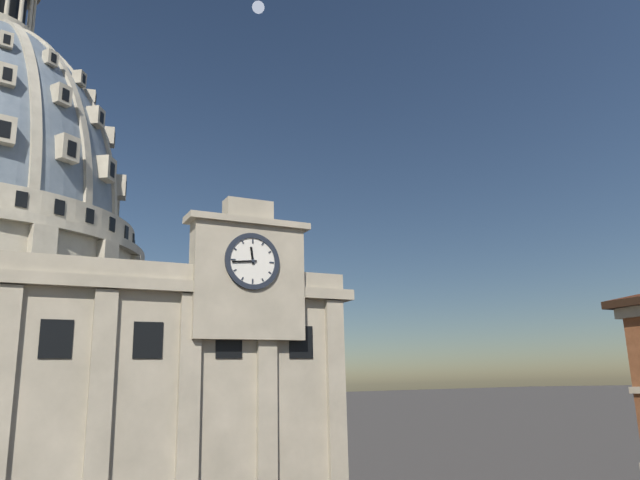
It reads 11,44
